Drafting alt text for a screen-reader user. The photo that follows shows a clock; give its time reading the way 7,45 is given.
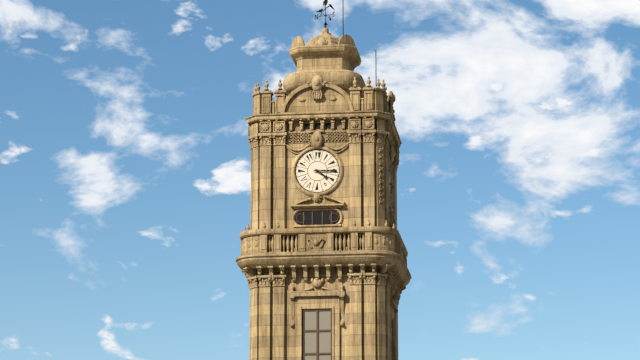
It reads 4,15
